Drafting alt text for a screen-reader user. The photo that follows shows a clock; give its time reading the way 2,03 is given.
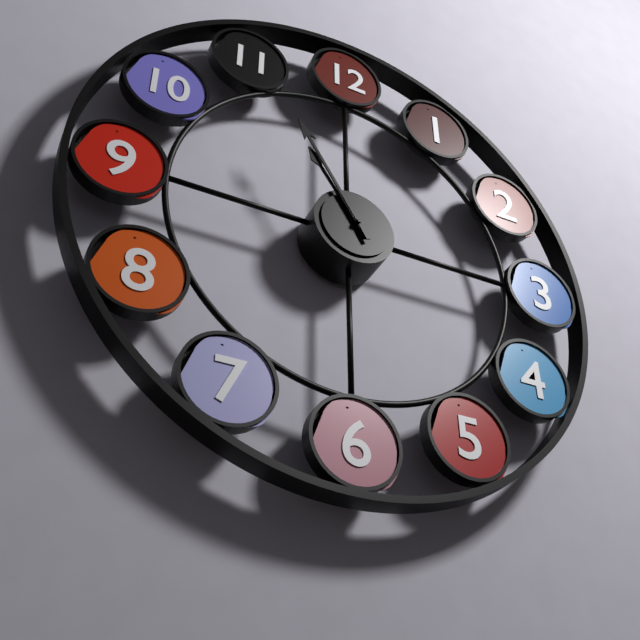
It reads 10,55
